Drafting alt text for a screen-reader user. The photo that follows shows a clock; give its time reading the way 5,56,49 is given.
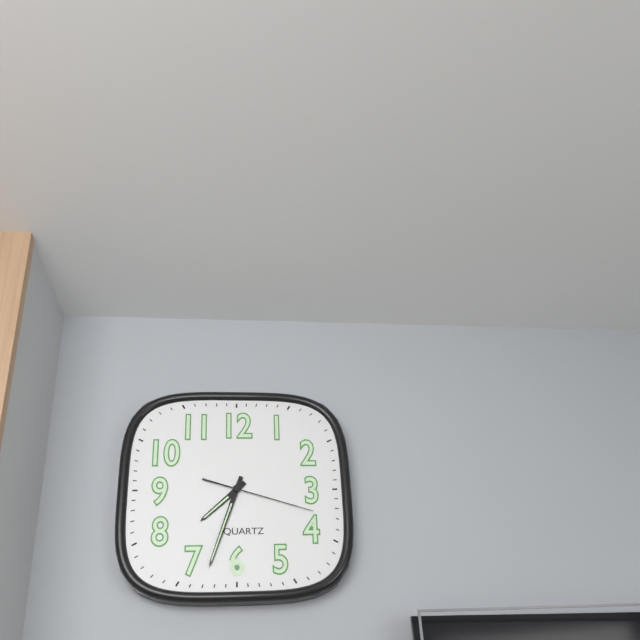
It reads 7,33,18
